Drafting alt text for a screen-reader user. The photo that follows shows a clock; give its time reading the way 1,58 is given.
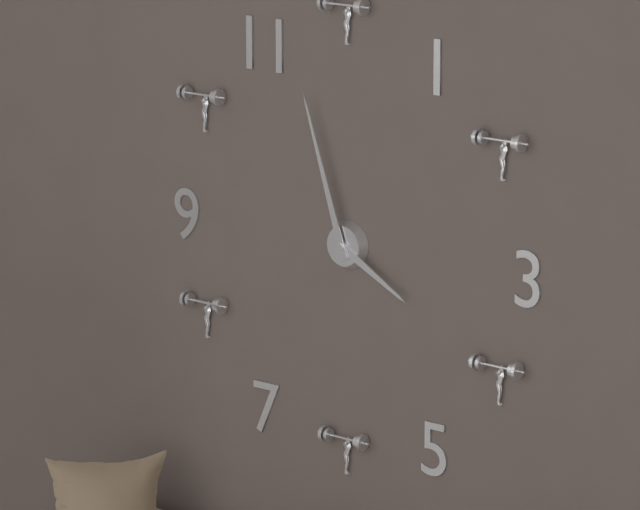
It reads 3,57
